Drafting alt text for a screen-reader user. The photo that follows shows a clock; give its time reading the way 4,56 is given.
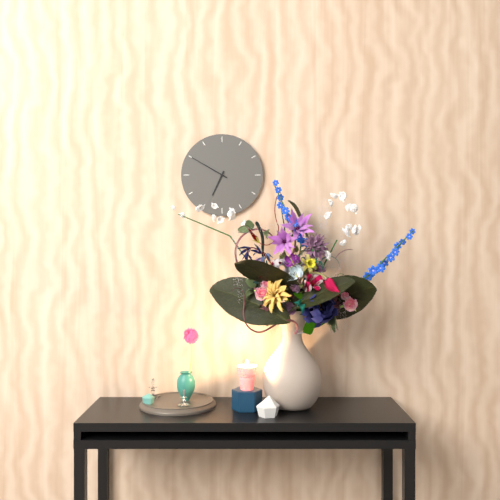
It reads 6,50
